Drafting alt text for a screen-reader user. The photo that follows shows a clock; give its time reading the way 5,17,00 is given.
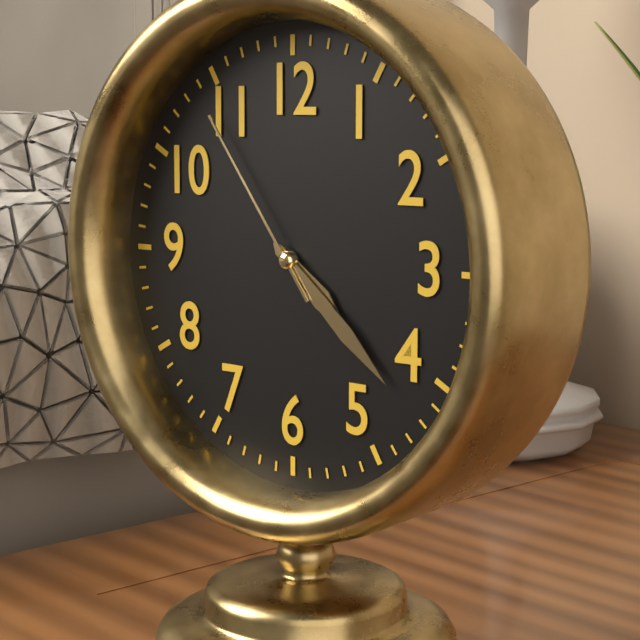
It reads 4,22,54
